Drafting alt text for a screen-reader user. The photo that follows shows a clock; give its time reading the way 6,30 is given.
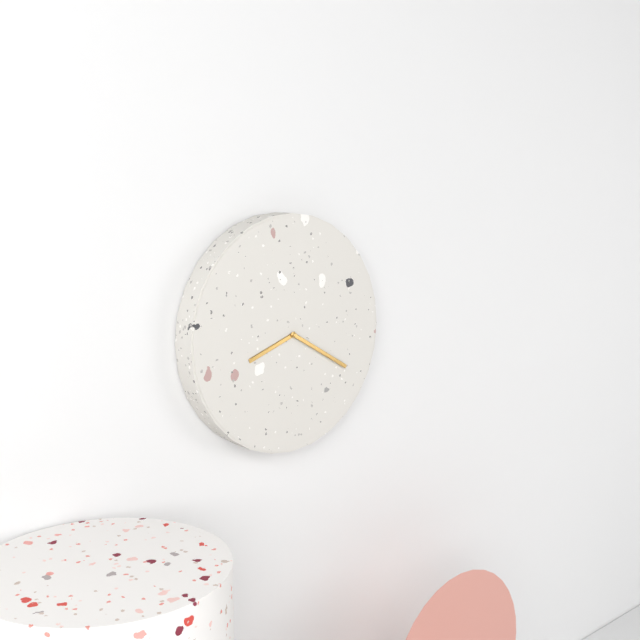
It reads 8,20
